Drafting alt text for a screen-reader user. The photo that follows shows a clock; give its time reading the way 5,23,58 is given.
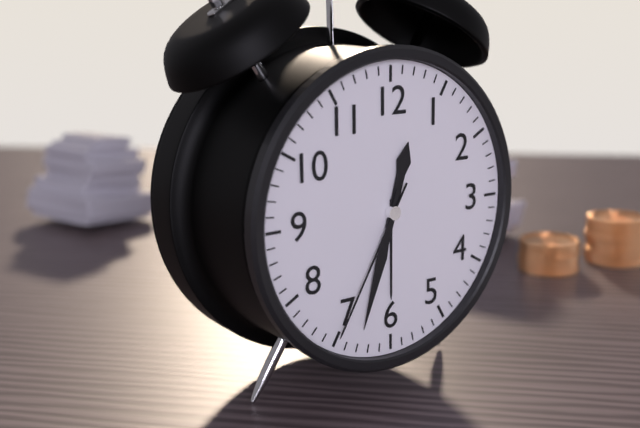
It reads 12,33,35
